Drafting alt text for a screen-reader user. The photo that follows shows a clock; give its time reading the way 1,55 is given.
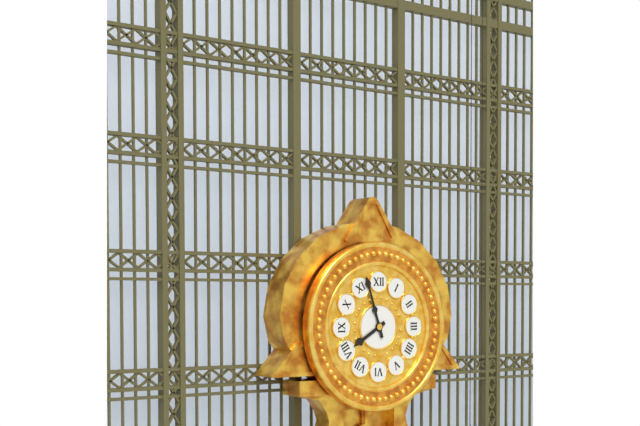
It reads 7,57
